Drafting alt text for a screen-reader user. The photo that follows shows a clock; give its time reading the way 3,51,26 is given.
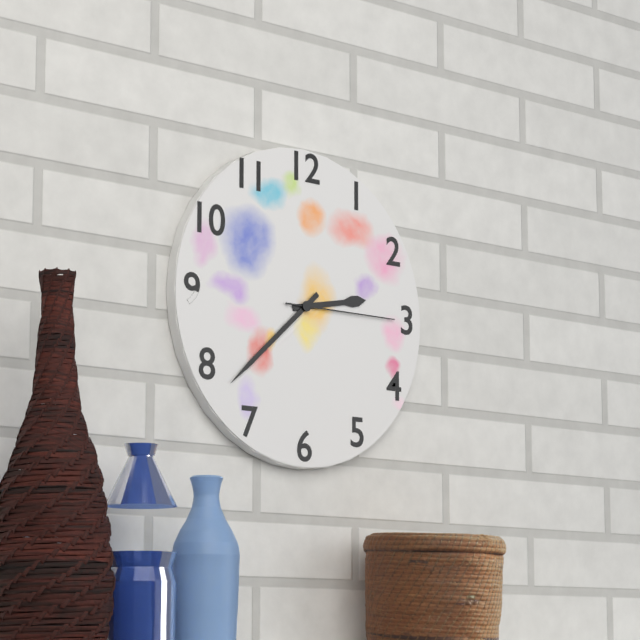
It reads 2,38,15
